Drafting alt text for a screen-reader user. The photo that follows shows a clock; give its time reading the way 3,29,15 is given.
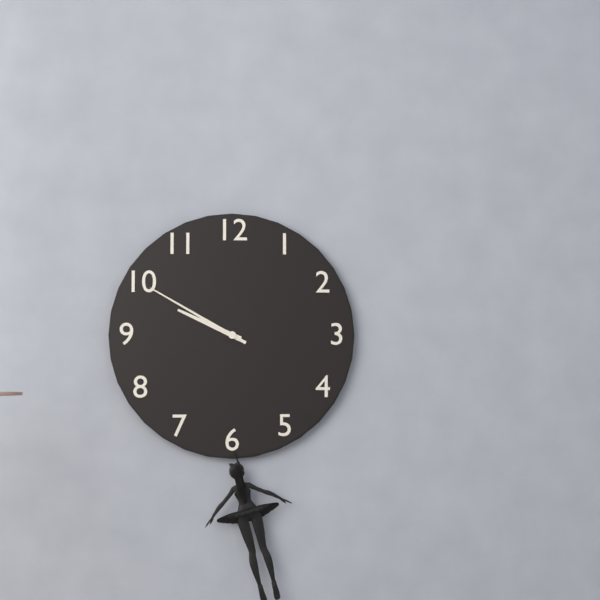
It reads 9,50,50
